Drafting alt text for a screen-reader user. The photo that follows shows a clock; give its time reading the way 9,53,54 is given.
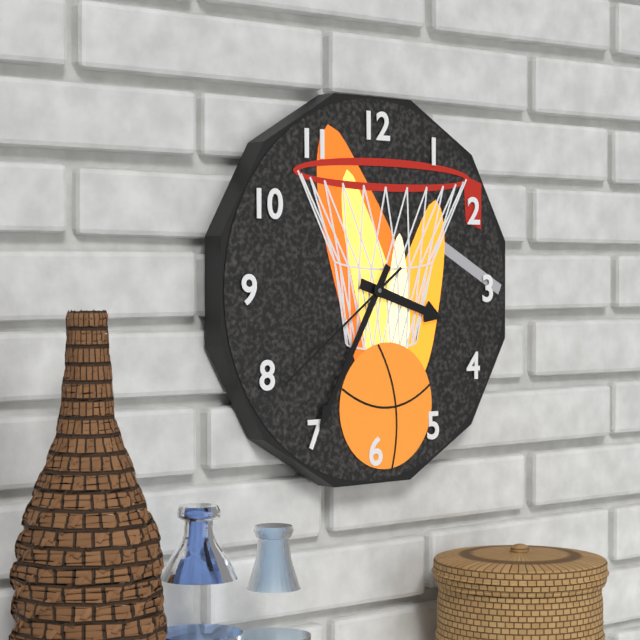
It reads 3,35,39
